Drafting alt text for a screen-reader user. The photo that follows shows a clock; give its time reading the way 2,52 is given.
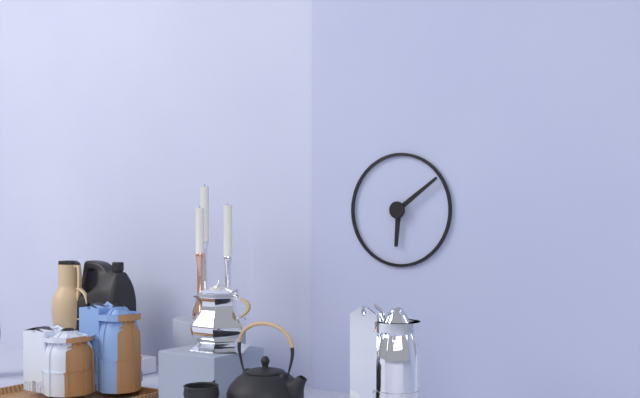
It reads 6,09
